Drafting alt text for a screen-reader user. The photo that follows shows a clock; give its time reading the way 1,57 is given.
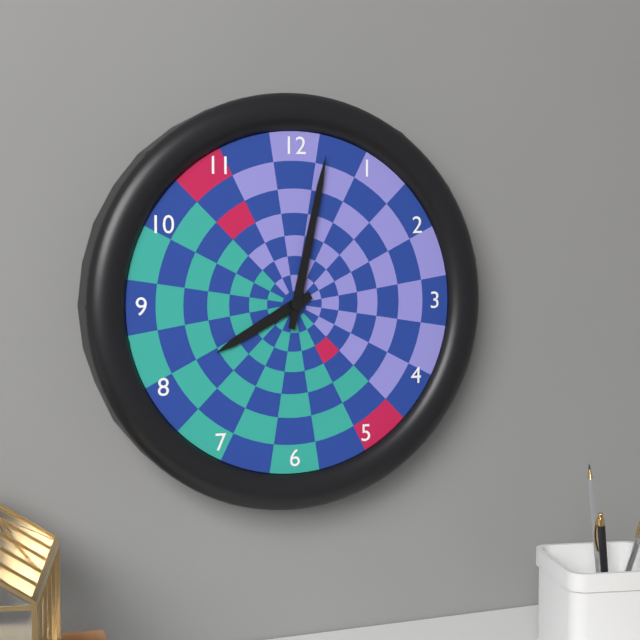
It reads 8,02
